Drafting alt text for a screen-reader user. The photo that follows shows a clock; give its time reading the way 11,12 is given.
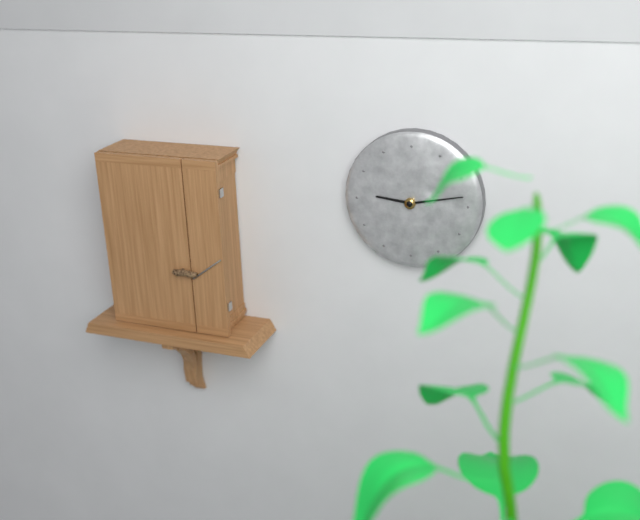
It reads 9,13
